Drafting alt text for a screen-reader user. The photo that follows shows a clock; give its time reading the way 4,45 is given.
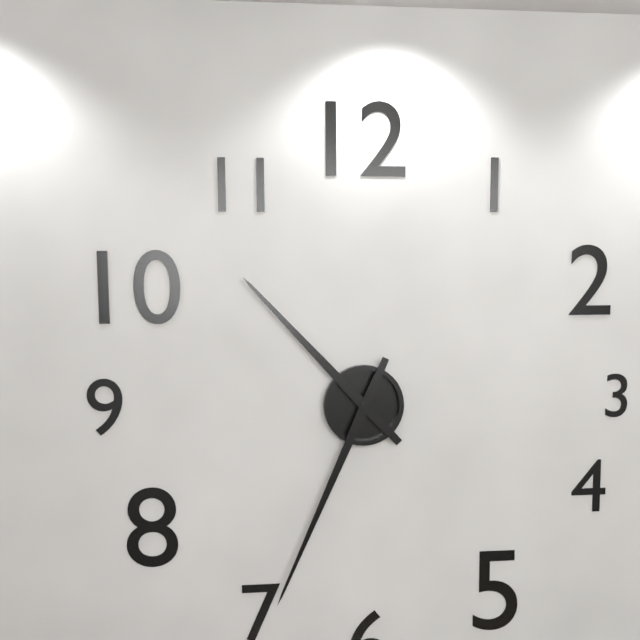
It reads 10,34
